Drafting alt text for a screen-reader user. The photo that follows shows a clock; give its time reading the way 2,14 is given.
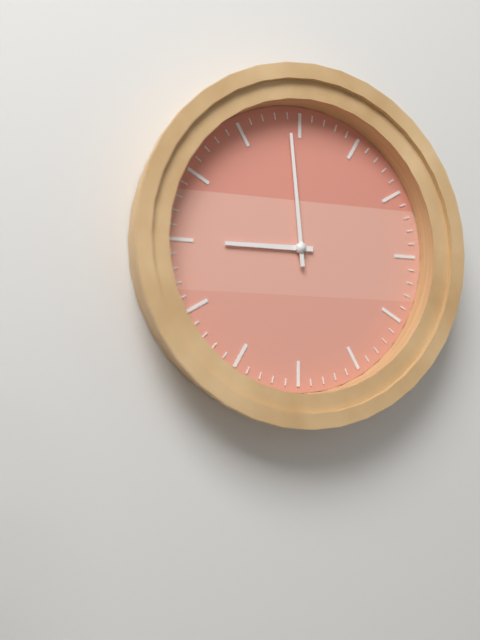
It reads 8,59
